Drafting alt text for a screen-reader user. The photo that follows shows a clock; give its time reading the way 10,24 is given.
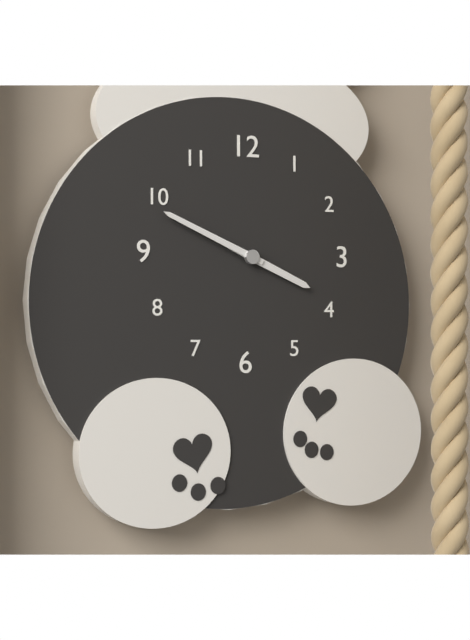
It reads 3,49
